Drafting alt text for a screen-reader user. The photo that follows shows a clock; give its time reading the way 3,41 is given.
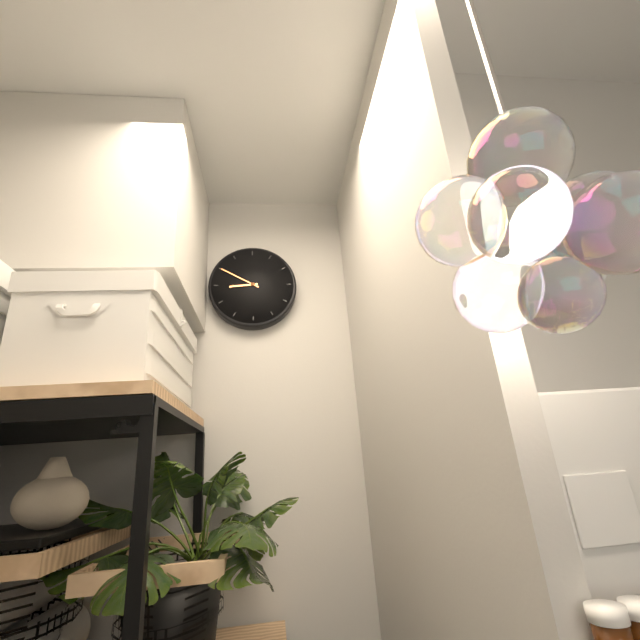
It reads 8,50
